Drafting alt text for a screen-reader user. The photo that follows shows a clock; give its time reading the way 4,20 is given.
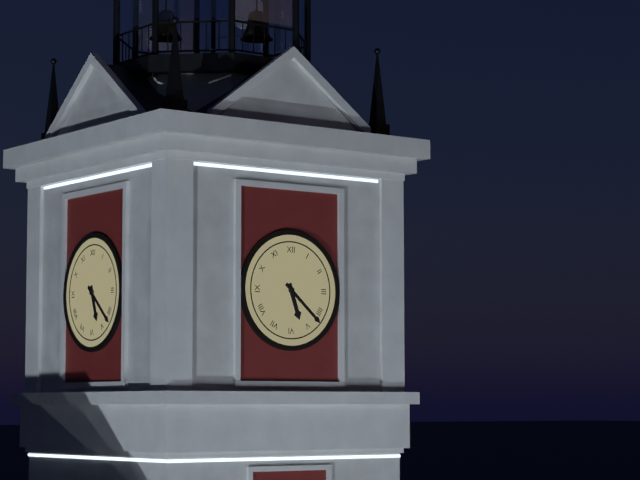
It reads 5,22
